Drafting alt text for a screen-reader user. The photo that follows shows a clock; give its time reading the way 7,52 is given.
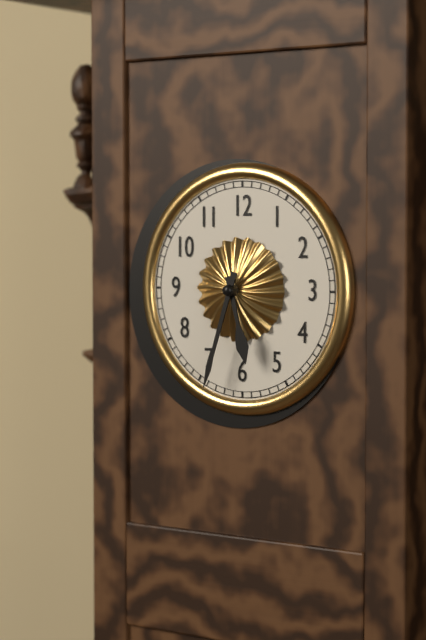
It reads 5,33
